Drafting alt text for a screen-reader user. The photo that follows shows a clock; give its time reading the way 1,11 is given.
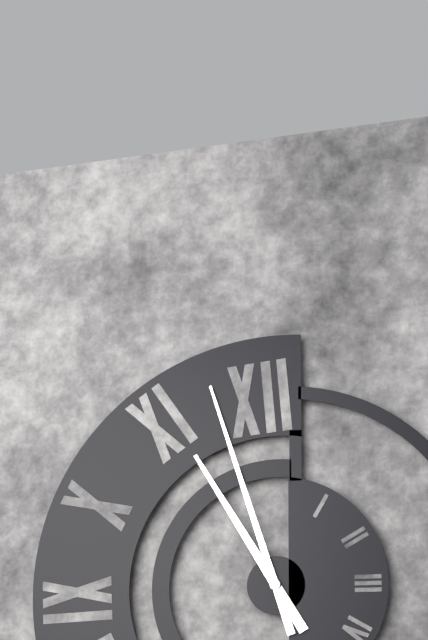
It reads 10,57
